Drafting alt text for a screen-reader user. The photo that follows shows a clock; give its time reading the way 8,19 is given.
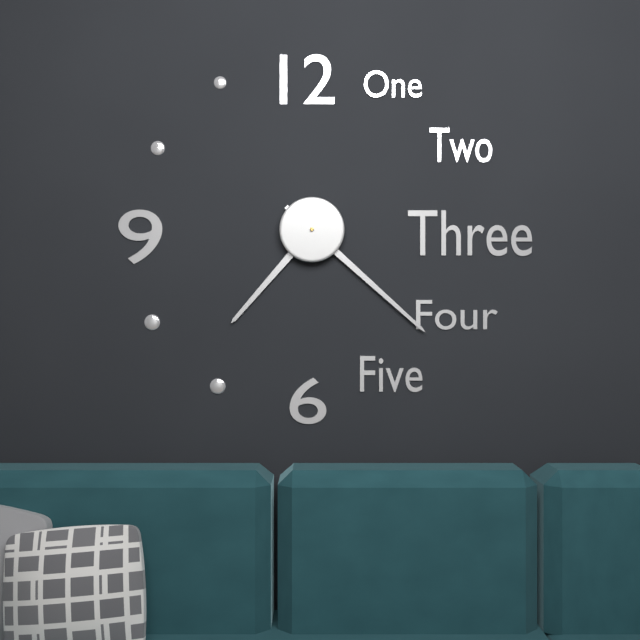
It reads 7,22
